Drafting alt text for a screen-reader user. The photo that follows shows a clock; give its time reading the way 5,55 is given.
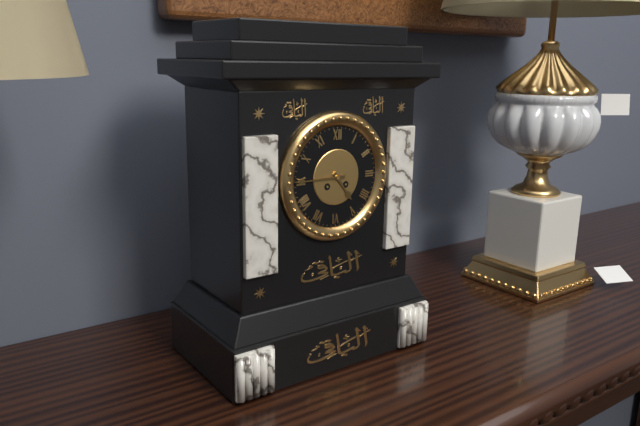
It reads 4,45
